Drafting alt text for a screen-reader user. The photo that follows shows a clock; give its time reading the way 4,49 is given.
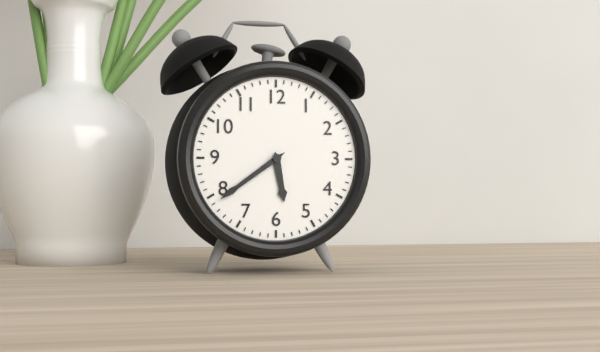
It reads 5,39
